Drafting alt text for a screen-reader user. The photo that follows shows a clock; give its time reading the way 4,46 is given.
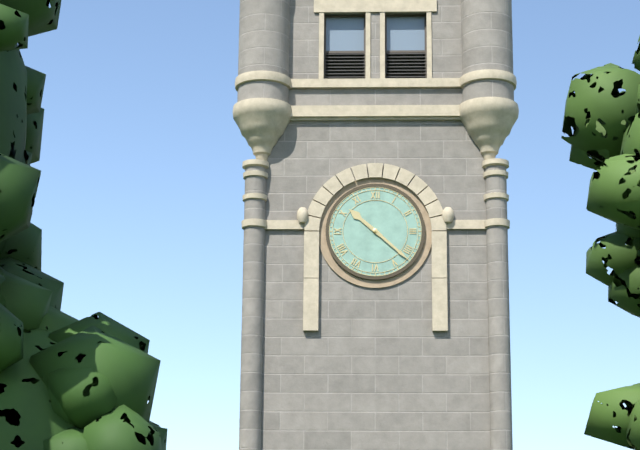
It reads 10,22
